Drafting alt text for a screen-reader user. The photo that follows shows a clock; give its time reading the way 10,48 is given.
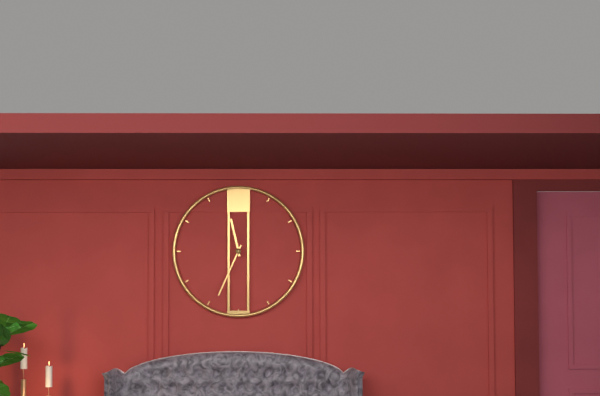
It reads 11,34
